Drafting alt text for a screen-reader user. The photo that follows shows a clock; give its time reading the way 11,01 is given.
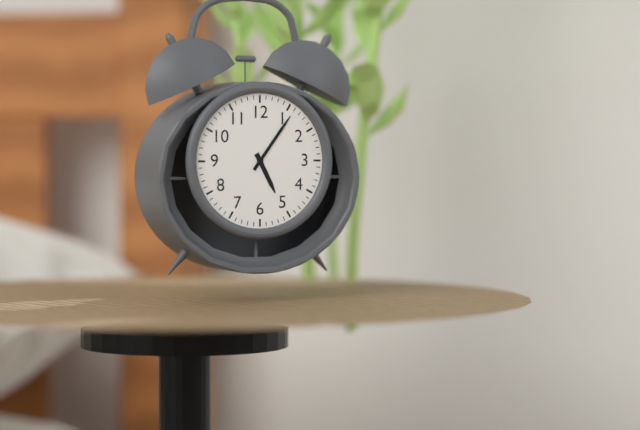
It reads 5,06
